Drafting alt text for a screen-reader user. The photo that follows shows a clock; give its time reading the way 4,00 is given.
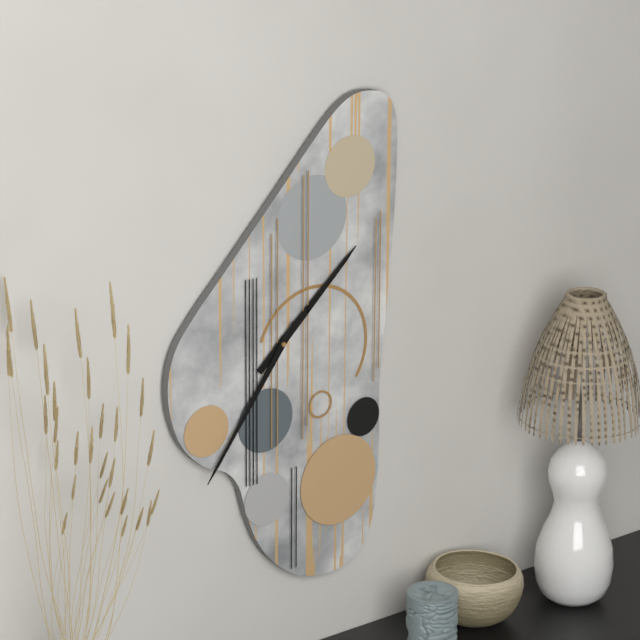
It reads 1,36
